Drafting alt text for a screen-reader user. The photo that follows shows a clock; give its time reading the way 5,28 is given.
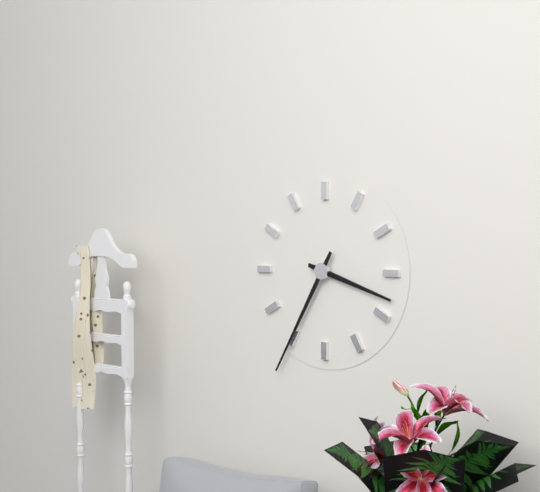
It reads 3,35
